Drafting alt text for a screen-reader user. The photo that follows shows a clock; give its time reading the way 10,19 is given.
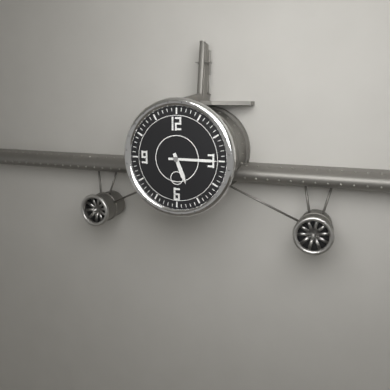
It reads 5,15
